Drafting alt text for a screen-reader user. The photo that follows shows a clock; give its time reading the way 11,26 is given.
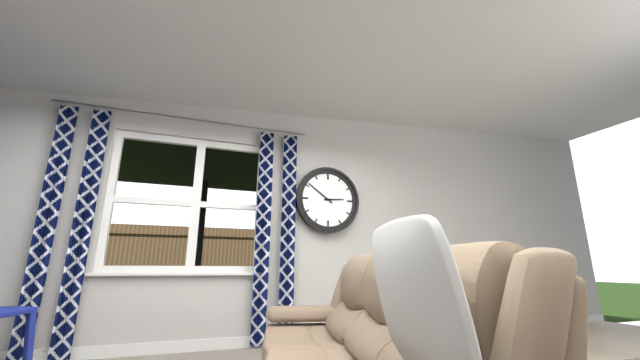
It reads 2,51
